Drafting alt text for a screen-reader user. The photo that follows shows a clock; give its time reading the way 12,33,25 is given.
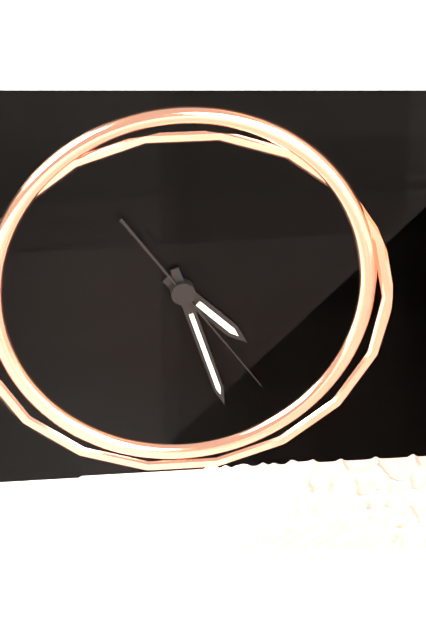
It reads 4,27,24
